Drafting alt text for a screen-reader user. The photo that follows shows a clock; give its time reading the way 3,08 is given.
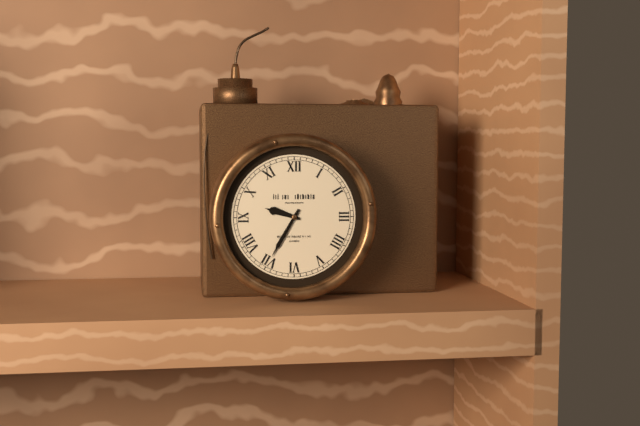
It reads 9,35
